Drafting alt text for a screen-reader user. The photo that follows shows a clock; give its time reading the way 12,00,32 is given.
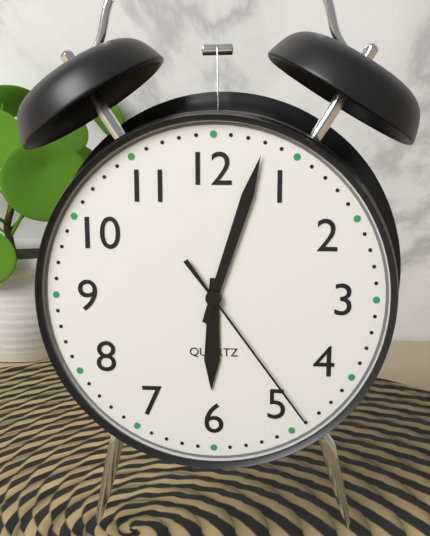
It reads 6,03,24
